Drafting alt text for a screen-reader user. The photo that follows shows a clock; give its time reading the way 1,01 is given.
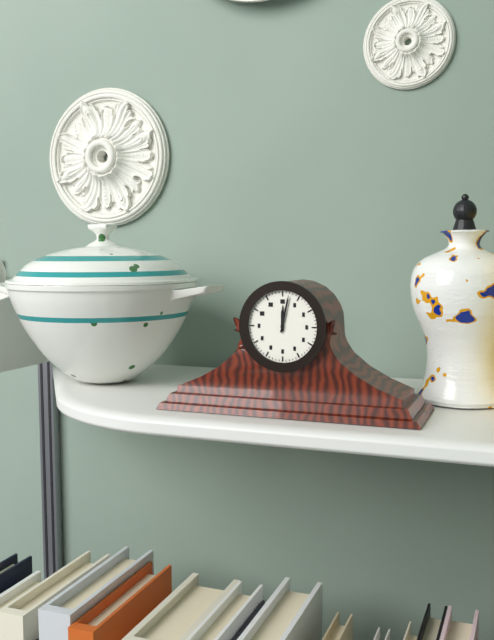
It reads 12,02
